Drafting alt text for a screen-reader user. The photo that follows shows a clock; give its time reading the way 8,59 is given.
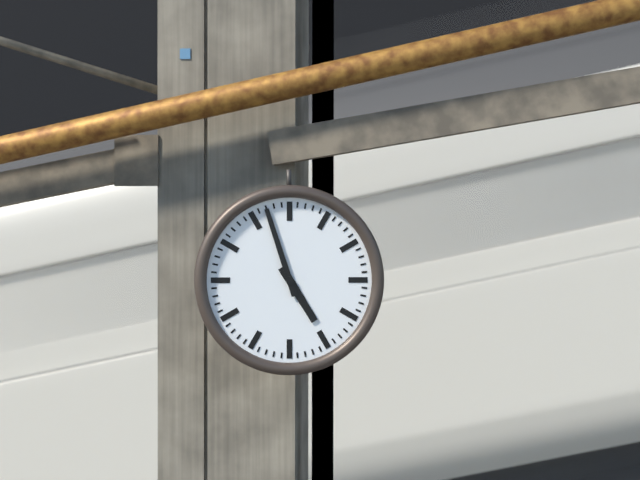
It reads 4,57
